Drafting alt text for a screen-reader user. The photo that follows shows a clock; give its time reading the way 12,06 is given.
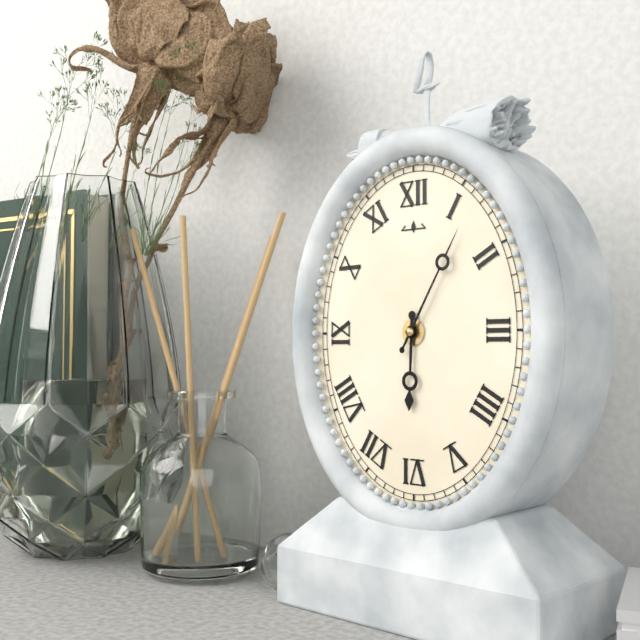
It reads 6,05
